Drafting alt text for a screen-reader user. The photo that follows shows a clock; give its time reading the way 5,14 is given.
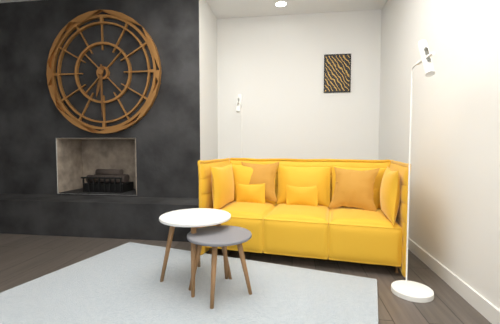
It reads 6,30
